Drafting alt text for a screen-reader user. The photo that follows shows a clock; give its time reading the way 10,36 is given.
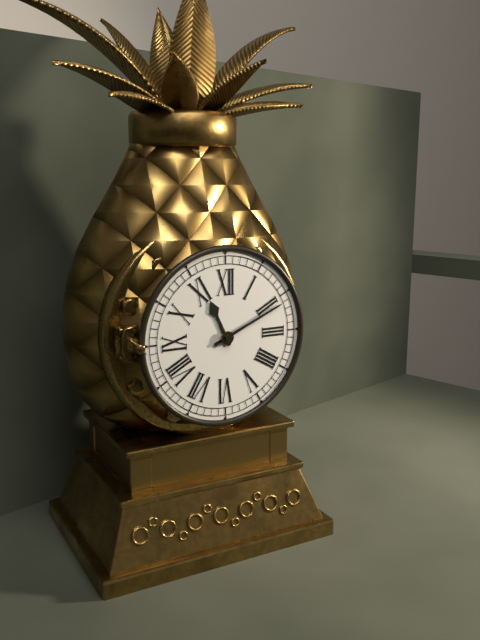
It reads 11,11
